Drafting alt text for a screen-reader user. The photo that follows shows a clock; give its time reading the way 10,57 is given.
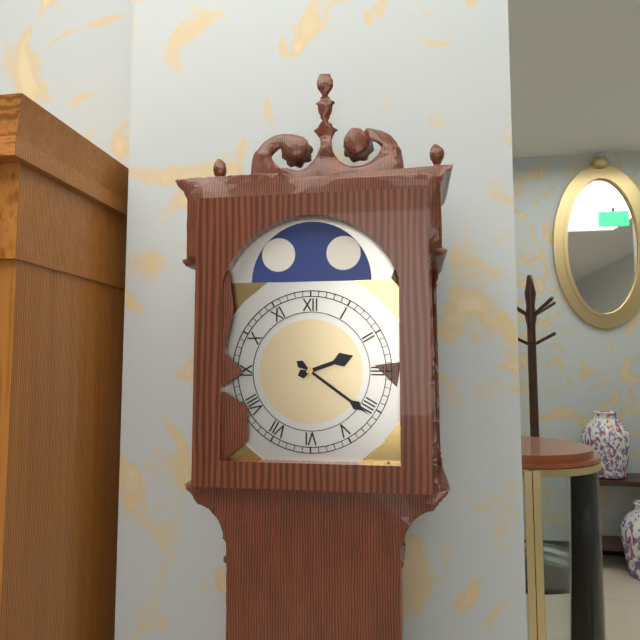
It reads 2,21
